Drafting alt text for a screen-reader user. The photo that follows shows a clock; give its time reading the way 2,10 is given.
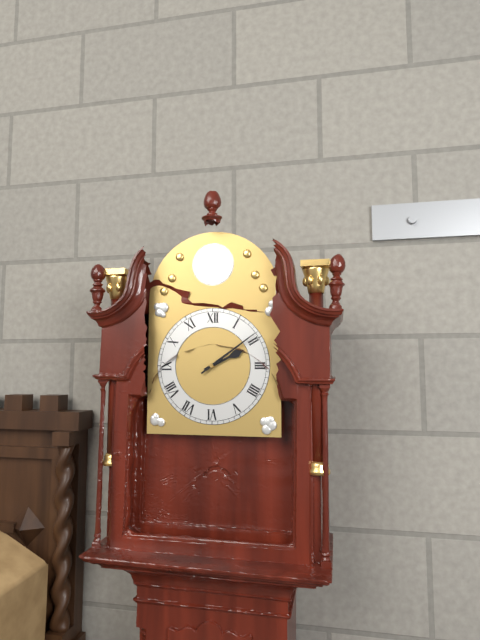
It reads 2,09
